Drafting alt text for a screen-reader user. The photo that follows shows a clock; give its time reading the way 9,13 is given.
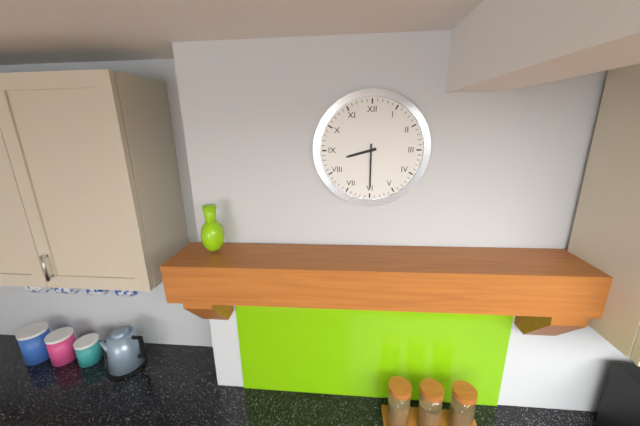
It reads 8,30
